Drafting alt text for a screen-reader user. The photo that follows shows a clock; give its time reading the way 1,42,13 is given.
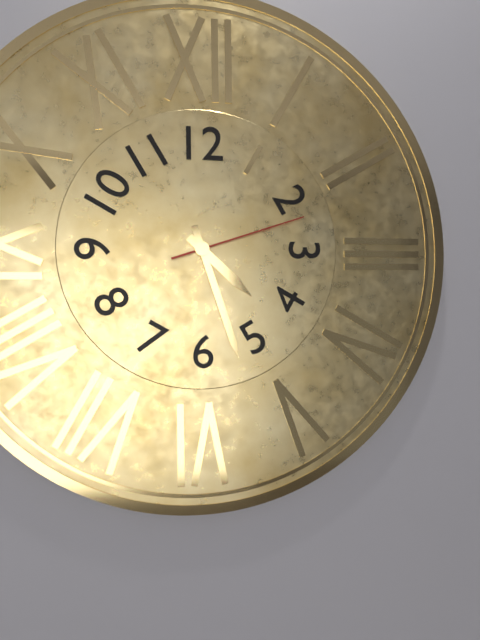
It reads 4,27,12
